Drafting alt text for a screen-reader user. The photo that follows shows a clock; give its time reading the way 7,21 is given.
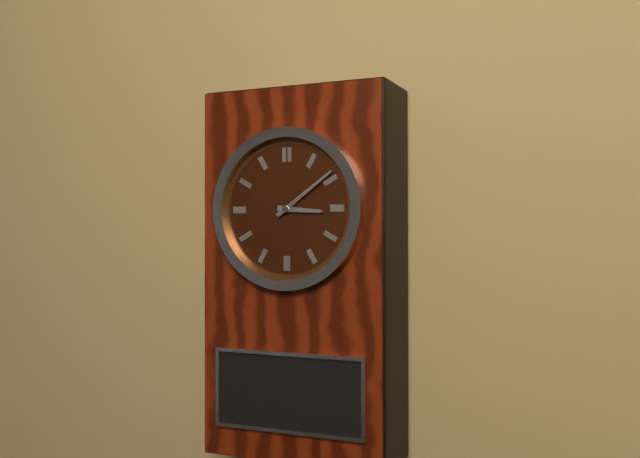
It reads 3,09
